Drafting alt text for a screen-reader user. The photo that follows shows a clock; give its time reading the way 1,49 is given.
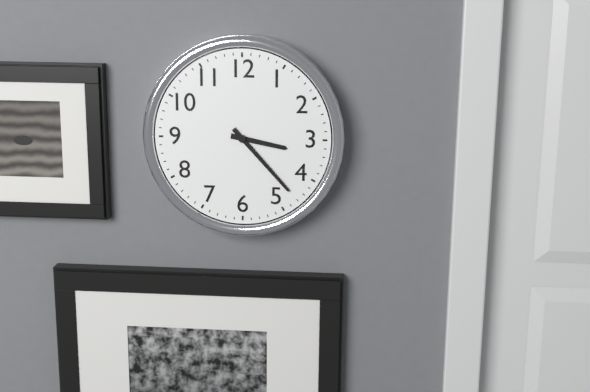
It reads 3,23
